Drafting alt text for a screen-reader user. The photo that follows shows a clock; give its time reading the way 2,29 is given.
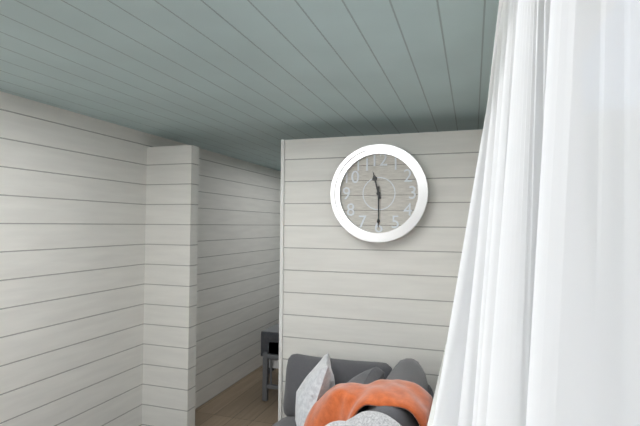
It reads 11,30
